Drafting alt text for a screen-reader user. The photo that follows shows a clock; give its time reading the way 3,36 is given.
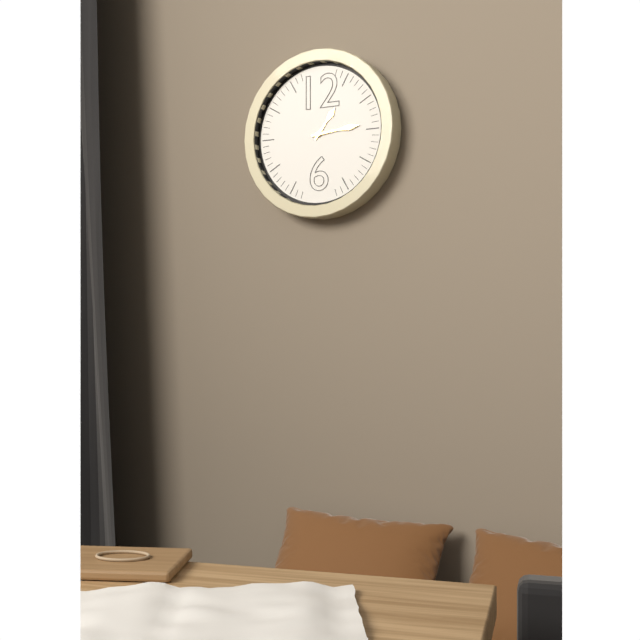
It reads 1,14
